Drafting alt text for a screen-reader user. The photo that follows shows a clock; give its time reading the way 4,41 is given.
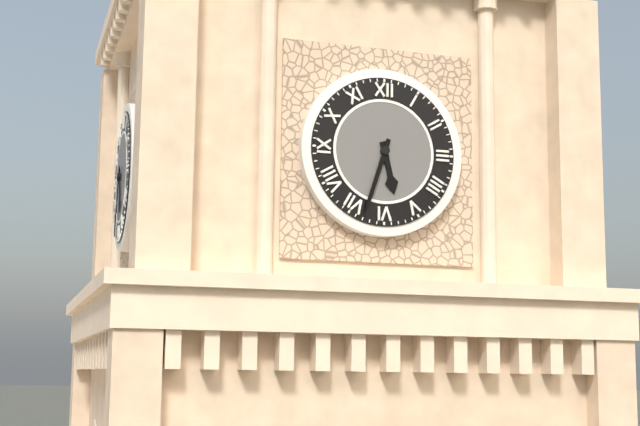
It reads 5,33
